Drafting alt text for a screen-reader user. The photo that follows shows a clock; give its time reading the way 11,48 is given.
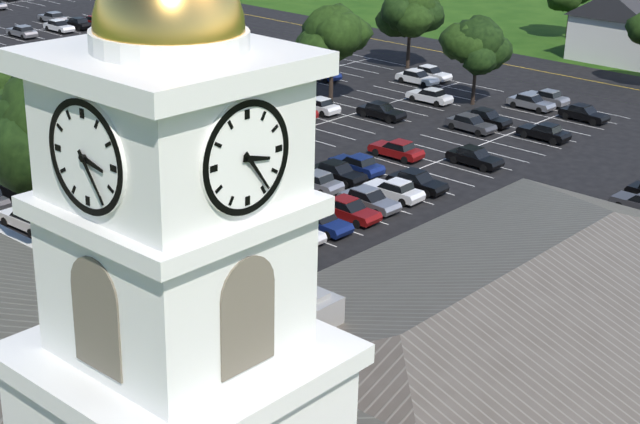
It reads 3,24
